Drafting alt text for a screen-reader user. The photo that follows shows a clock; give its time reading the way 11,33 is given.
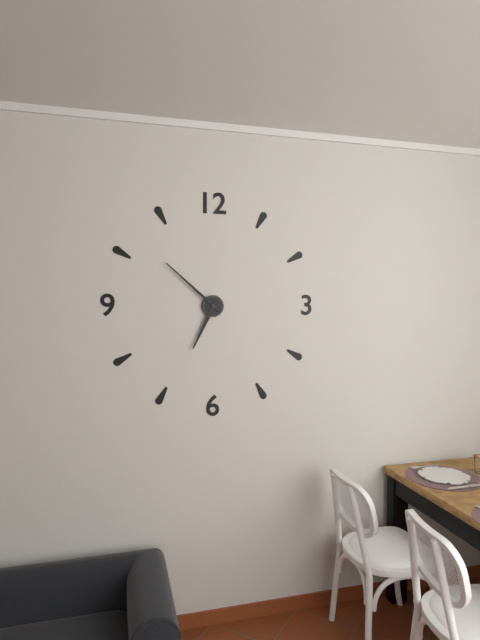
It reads 6,52
